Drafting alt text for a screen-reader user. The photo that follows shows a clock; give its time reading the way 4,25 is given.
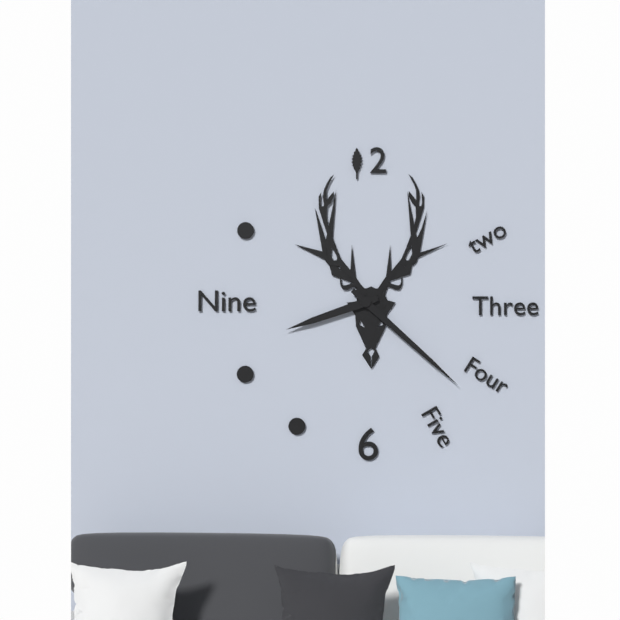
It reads 8,22
